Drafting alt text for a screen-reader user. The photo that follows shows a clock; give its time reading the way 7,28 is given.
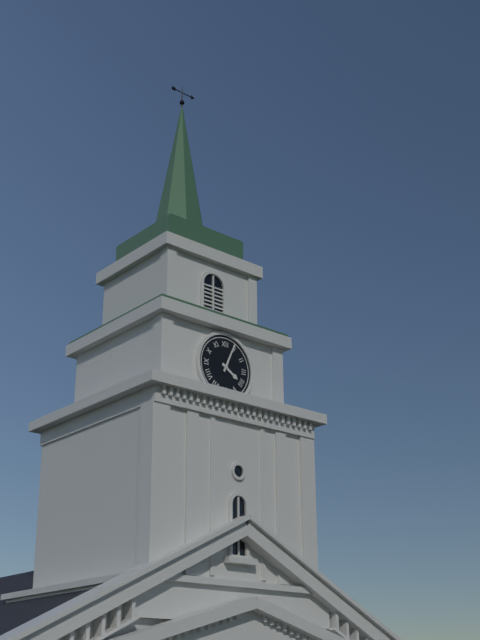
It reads 4,04
